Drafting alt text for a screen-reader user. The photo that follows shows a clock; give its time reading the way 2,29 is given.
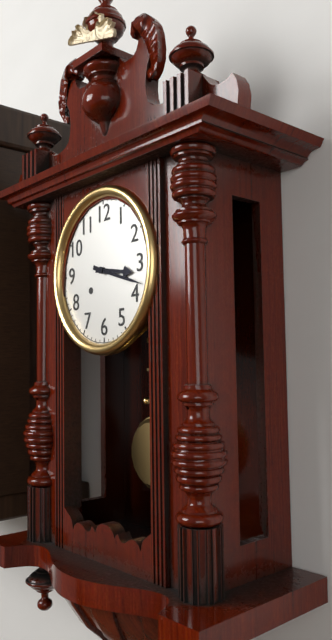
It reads 3,18
